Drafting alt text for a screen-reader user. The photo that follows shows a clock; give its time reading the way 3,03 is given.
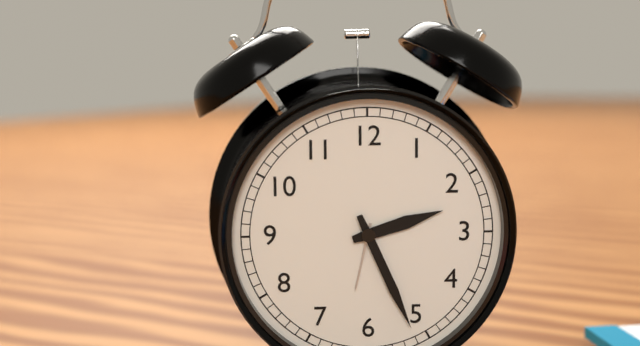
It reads 2,26
